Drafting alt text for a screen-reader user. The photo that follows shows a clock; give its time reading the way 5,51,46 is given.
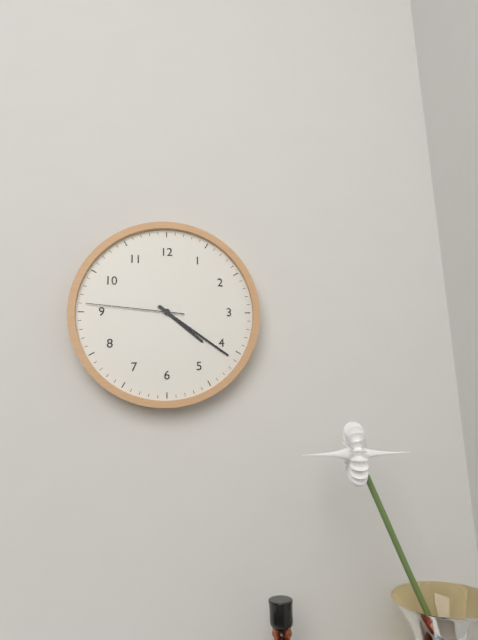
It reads 4,21,46
